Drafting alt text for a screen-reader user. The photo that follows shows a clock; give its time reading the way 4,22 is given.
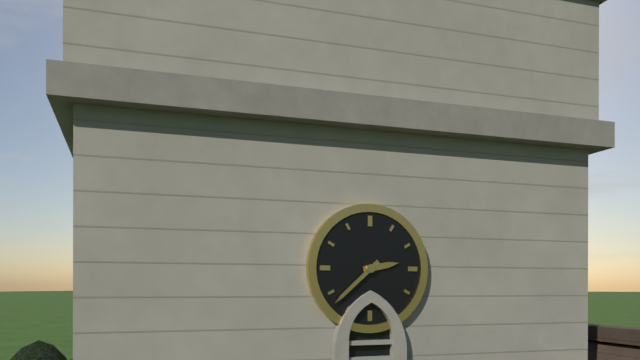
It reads 2,38
